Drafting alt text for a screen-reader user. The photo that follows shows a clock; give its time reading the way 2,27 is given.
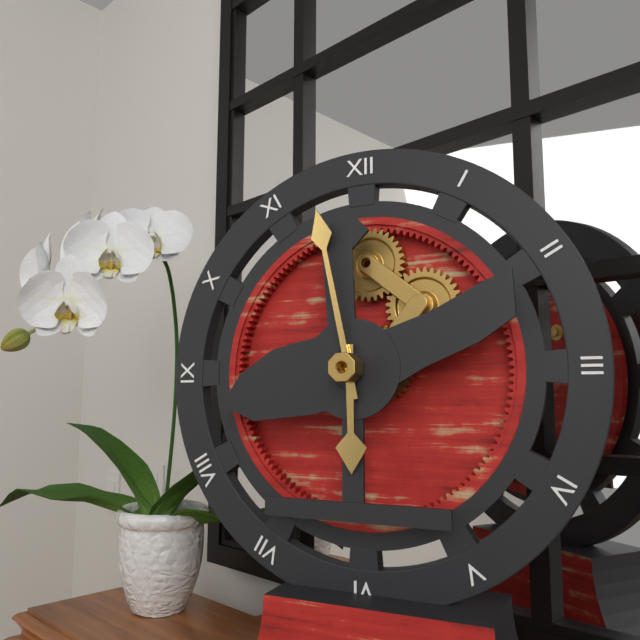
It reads 5,58
